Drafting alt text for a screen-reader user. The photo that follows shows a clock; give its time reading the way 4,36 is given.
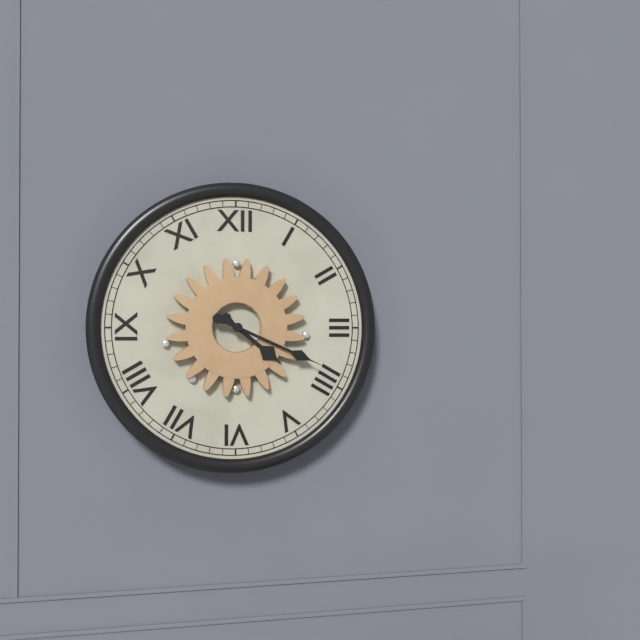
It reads 4,19
